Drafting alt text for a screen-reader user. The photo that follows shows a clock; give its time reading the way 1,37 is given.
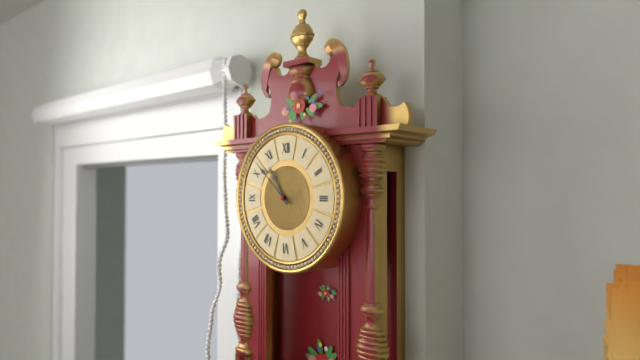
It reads 10,52
